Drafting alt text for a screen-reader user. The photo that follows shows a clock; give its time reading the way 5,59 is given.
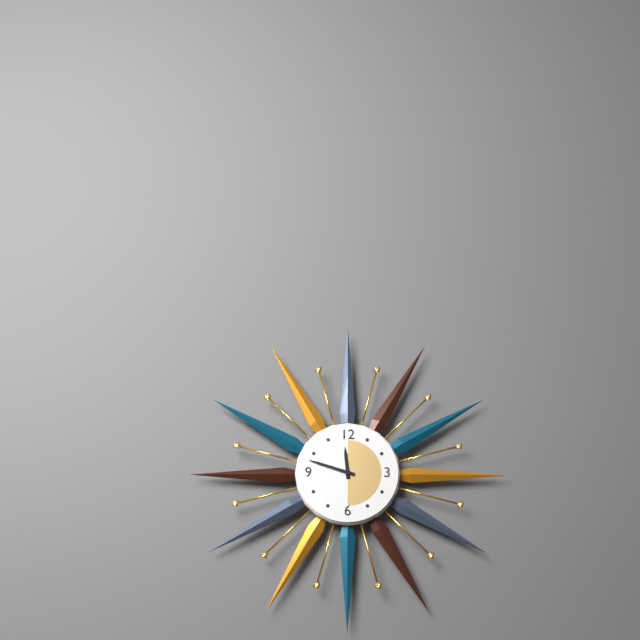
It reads 11,48
